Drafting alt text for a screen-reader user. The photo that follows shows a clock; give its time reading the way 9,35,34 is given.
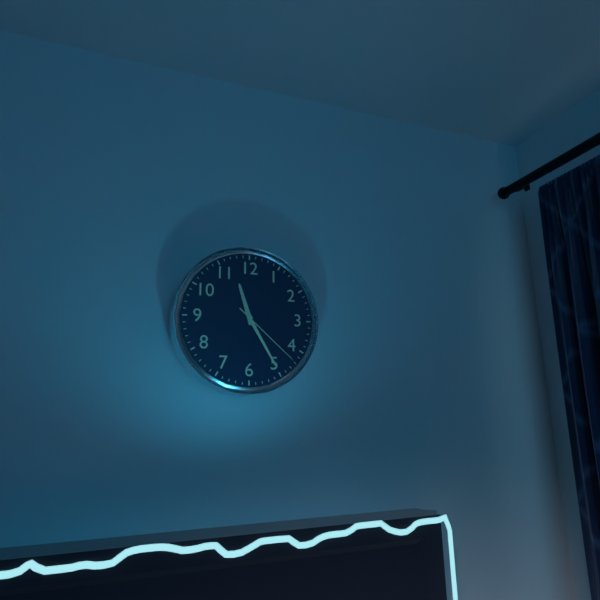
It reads 11,25,22
